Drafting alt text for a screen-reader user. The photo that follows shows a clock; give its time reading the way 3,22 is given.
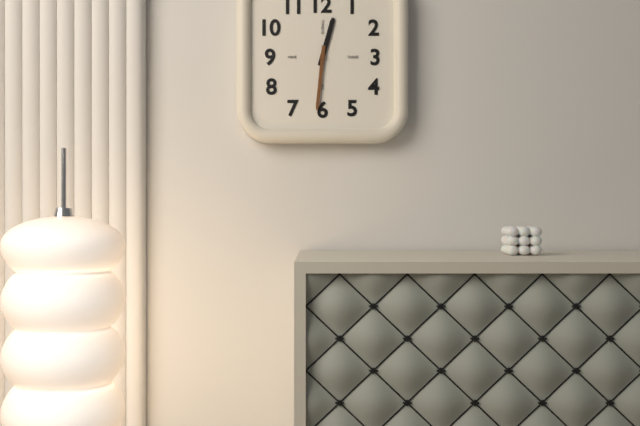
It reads 12,31
